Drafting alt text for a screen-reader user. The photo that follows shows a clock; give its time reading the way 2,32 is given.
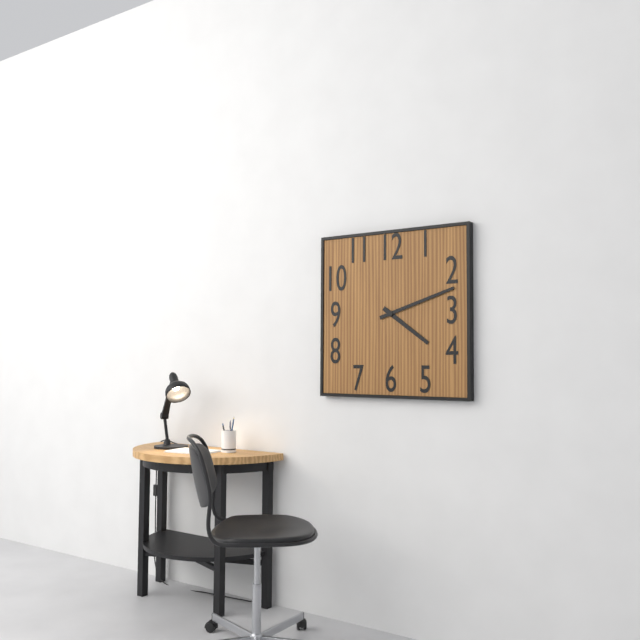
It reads 4,12
